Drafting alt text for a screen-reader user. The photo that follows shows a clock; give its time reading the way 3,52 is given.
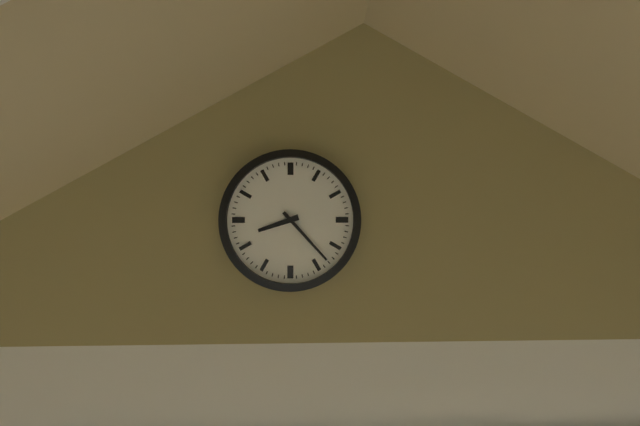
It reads 8,23
